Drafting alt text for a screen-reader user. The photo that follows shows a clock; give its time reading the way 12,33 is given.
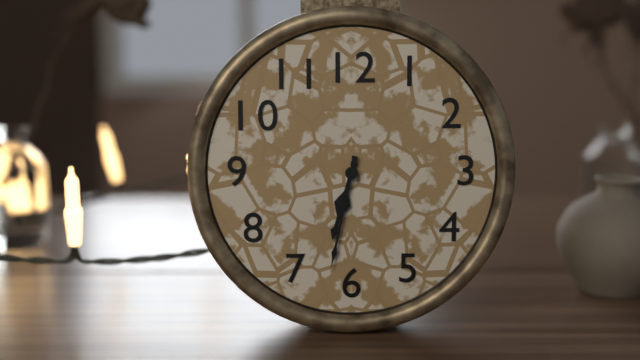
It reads 6,32
